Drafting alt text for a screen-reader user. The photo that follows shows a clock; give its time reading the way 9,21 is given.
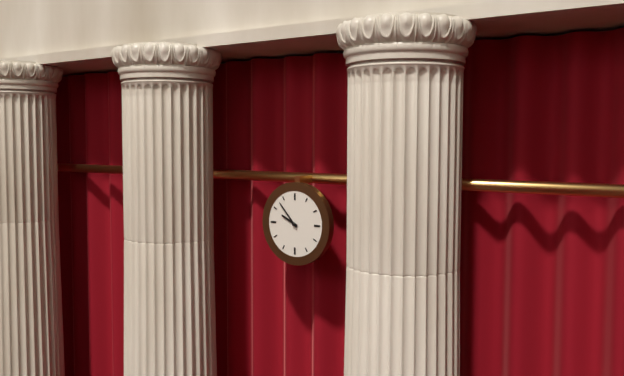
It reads 9,53
